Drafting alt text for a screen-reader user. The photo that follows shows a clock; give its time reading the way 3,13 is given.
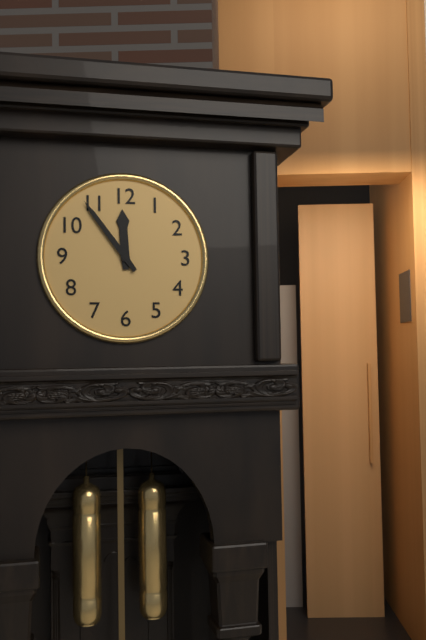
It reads 11,54
